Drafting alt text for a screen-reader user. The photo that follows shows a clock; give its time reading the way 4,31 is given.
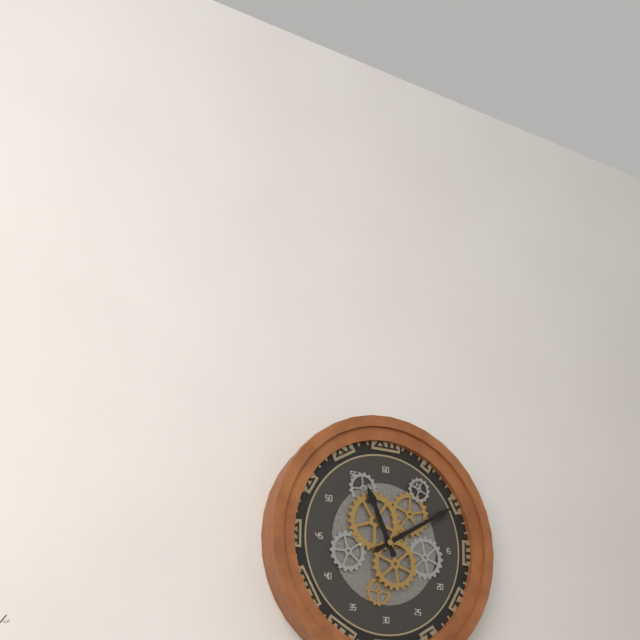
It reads 11,10
